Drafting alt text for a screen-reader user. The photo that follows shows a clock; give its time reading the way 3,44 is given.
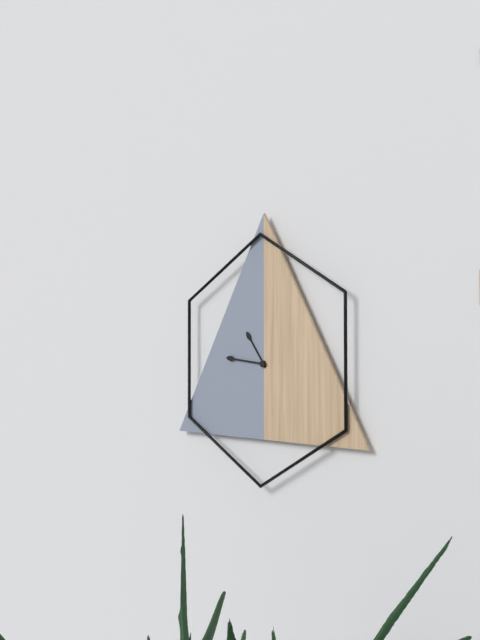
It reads 10,46
